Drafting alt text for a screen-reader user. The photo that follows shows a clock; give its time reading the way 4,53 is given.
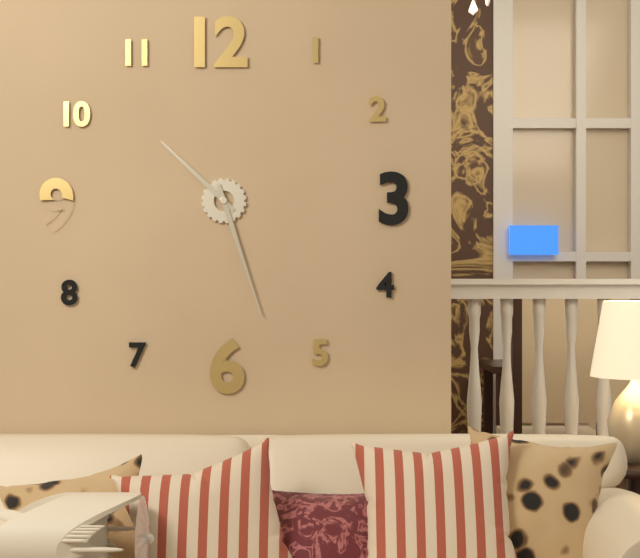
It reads 10,27
